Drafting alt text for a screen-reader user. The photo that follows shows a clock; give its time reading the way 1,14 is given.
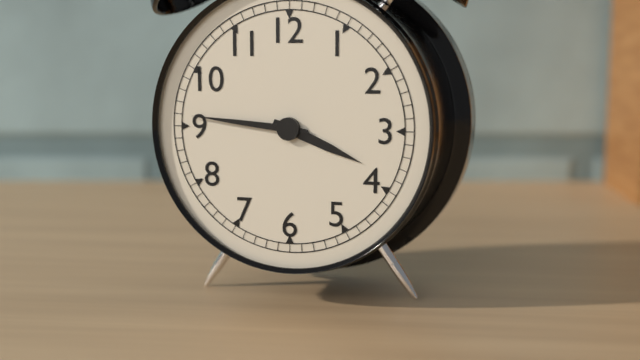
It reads 3,46
